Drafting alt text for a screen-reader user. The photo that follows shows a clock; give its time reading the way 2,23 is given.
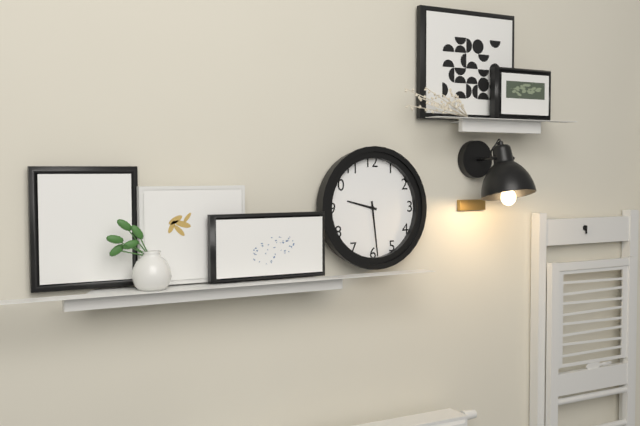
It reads 9,29
